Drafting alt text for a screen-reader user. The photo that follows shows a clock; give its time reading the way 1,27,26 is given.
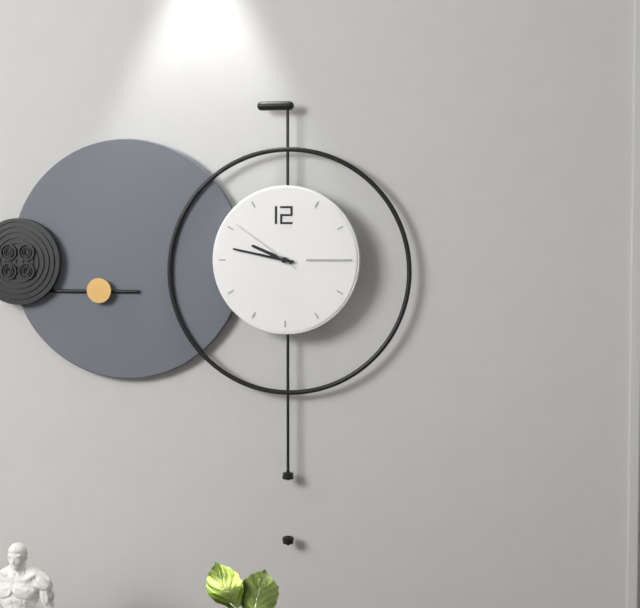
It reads 9,47,51
